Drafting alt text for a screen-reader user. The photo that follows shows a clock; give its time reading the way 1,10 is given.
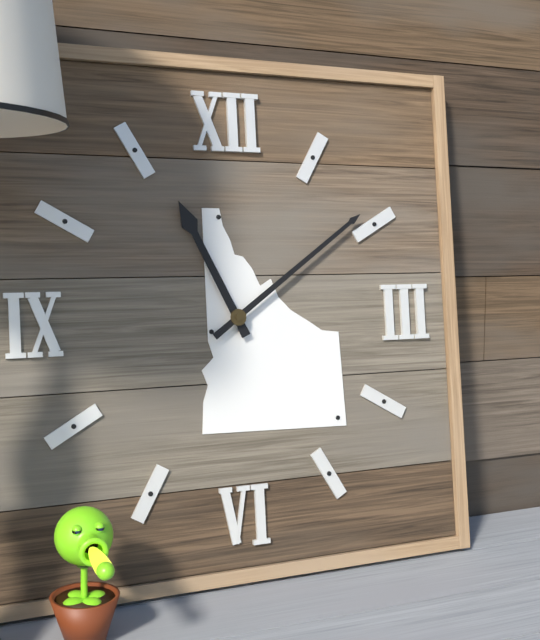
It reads 11,09
